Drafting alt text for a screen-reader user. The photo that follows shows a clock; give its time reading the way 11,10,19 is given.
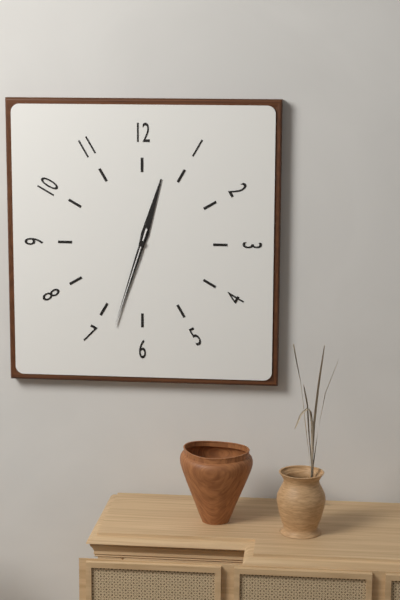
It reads 12,33,33
